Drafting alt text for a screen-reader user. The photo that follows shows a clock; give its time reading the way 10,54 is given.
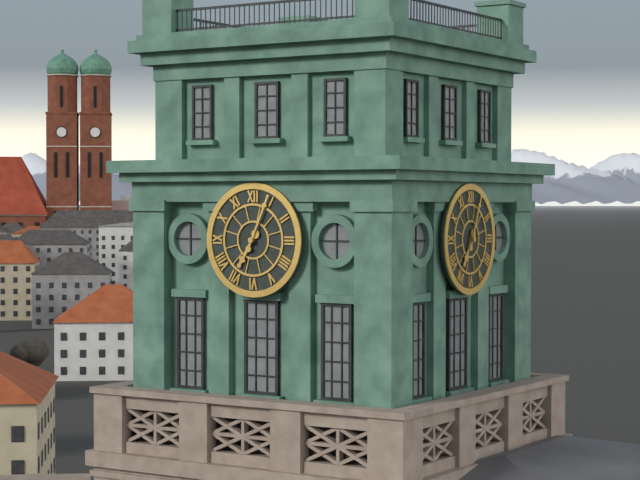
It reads 7,04
